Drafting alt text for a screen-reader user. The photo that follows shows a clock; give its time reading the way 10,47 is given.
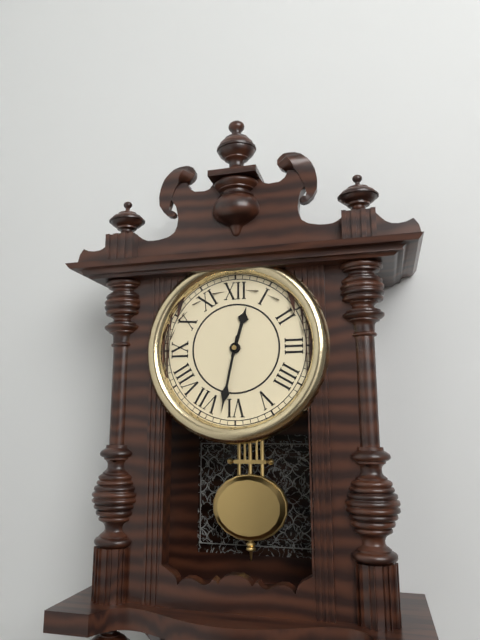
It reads 12,32
